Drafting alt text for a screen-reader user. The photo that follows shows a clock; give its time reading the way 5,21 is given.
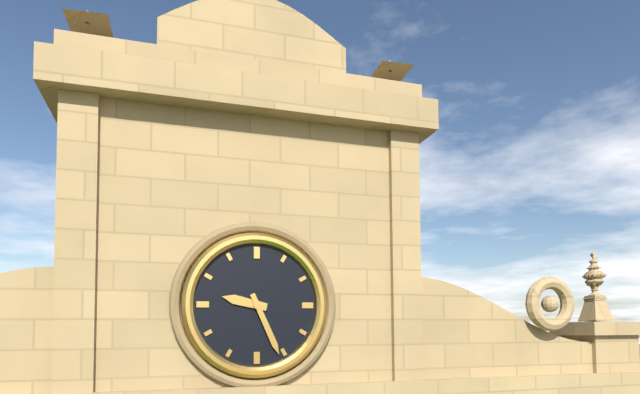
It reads 9,26
